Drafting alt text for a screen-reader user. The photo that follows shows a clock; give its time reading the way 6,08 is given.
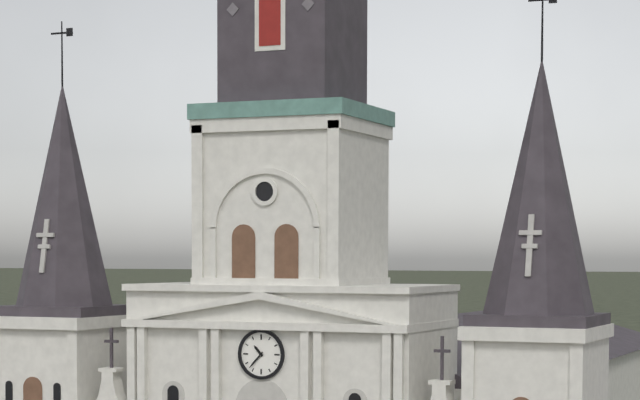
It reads 10,37
